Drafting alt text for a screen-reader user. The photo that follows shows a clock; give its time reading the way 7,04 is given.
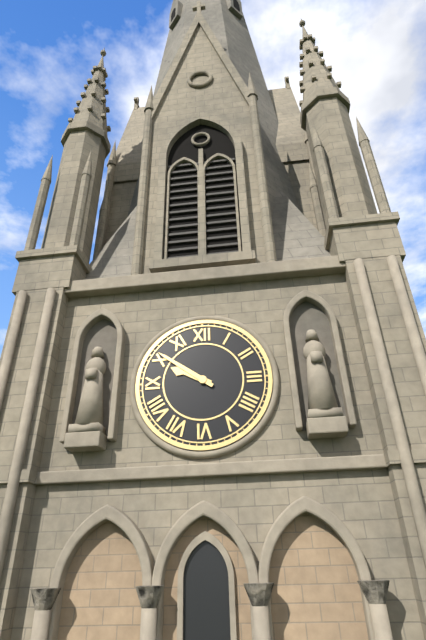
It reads 9,51
